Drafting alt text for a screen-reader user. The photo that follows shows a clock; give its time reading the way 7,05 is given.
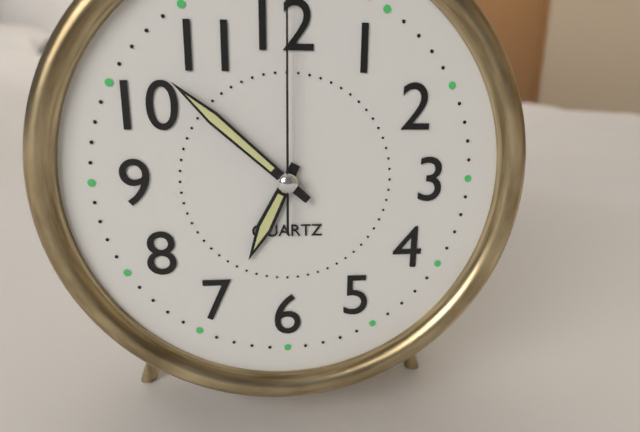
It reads 6,52
